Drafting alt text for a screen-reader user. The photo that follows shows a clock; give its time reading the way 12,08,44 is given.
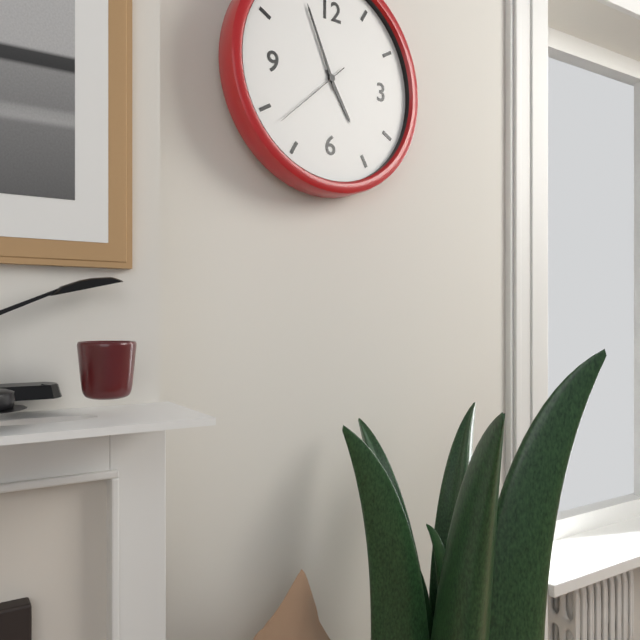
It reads 4,56,38
